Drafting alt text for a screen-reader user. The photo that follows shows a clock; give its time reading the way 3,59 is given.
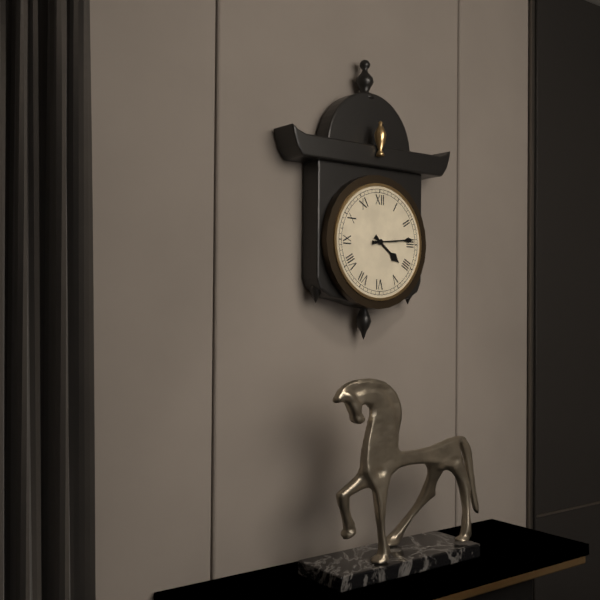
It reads 4,14
